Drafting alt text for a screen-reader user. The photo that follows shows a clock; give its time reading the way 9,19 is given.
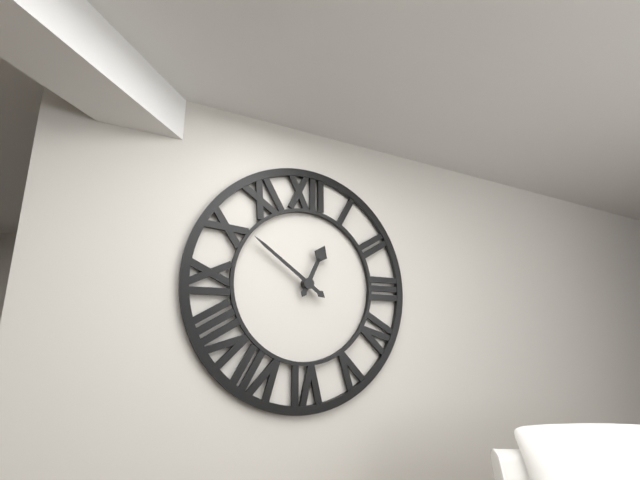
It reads 12,51
